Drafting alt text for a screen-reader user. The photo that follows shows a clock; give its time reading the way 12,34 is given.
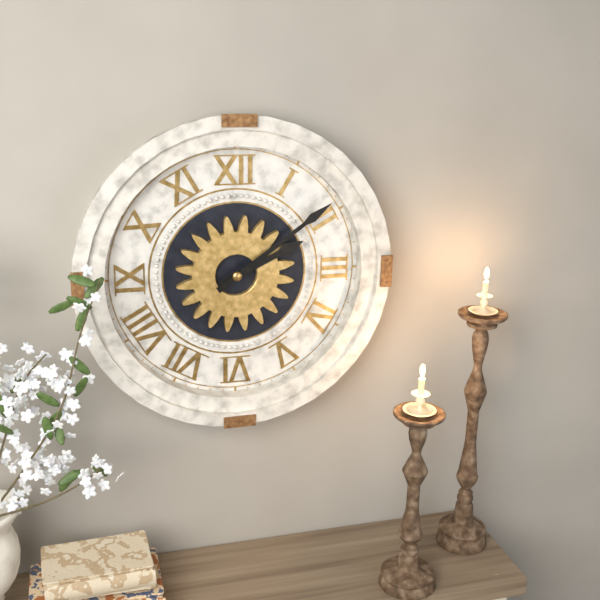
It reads 2,09
